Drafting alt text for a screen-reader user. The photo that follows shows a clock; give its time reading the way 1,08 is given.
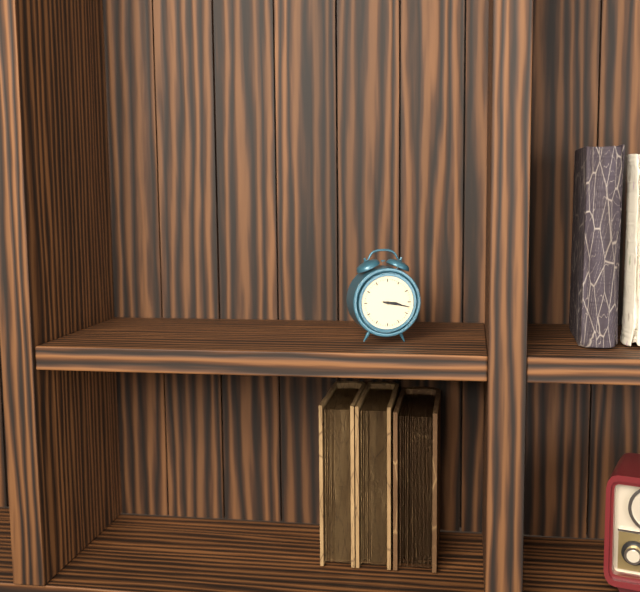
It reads 3,17
